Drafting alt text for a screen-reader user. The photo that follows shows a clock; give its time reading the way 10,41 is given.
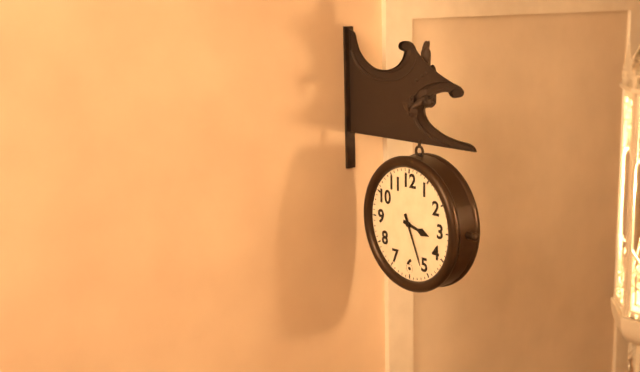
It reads 3,26
